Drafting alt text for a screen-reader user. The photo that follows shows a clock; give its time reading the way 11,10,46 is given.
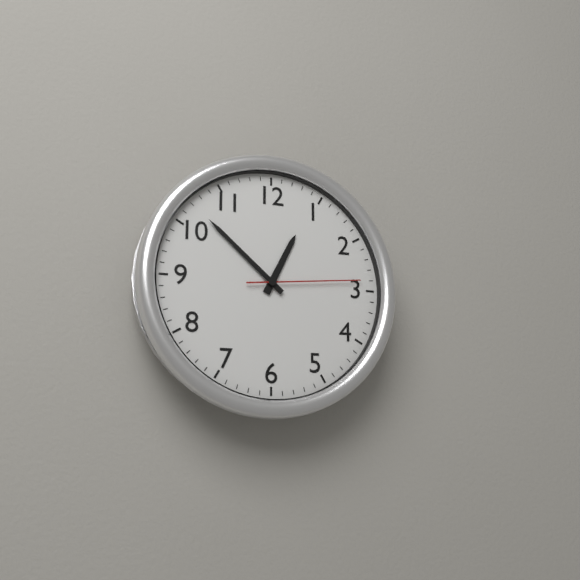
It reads 12,52,14
